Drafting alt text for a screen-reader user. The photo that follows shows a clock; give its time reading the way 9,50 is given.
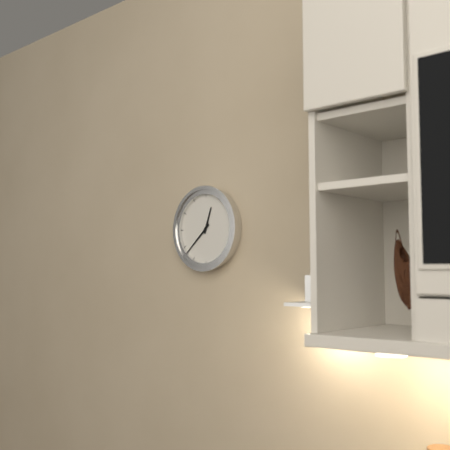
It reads 12,38
